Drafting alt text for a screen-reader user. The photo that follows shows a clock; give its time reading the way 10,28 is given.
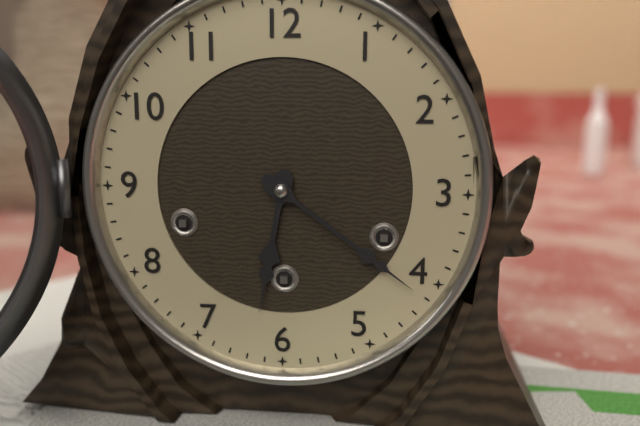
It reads 6,21
